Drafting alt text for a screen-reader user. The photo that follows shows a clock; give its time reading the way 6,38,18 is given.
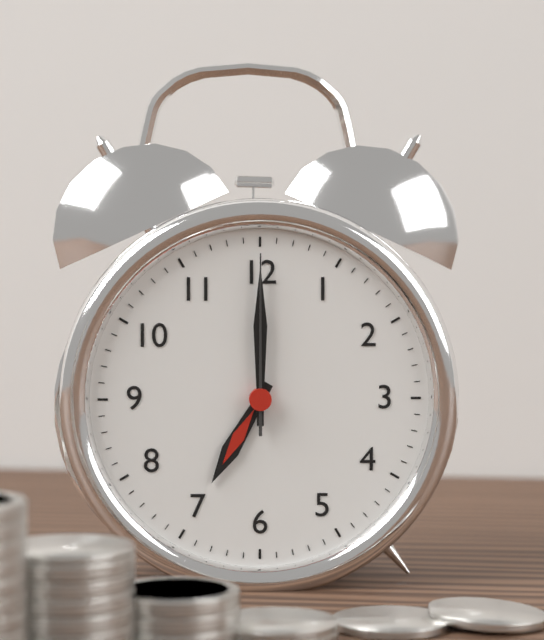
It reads 7,00,00
